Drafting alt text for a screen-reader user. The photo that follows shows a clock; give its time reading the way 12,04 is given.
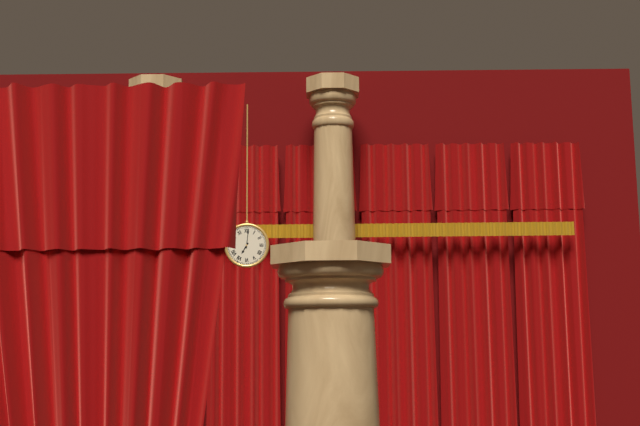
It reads 7,01
